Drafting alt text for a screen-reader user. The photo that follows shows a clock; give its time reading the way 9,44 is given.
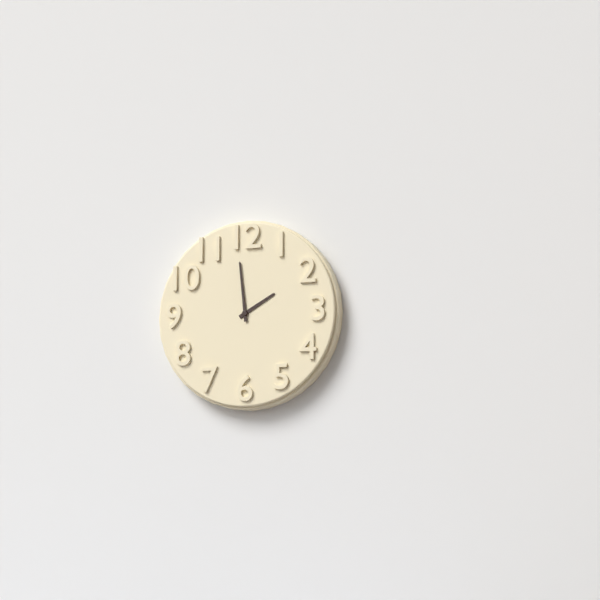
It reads 1,59
